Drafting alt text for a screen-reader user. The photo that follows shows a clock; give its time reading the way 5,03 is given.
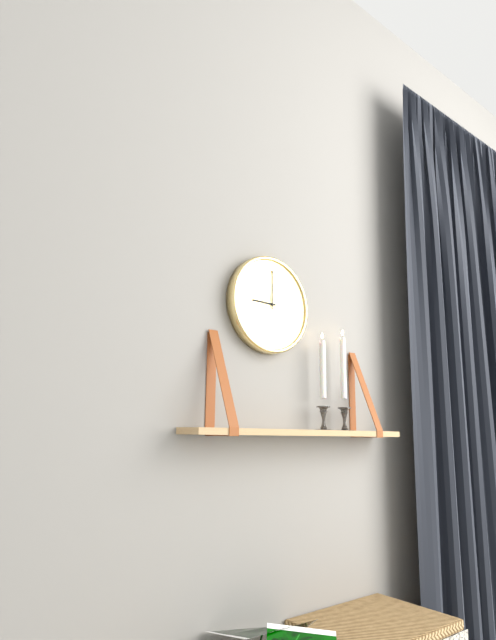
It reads 9,00
